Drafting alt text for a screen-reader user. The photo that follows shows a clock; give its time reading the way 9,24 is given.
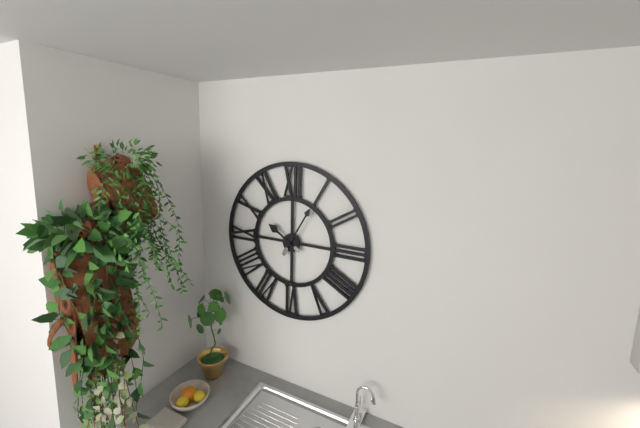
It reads 10,05
